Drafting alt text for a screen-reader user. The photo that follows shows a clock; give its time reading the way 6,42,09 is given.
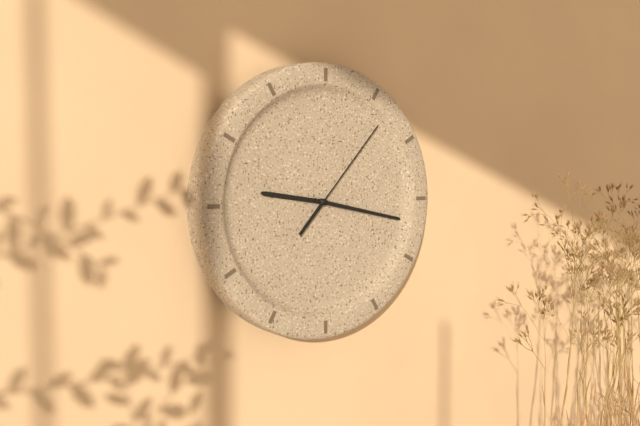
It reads 9,17,07
